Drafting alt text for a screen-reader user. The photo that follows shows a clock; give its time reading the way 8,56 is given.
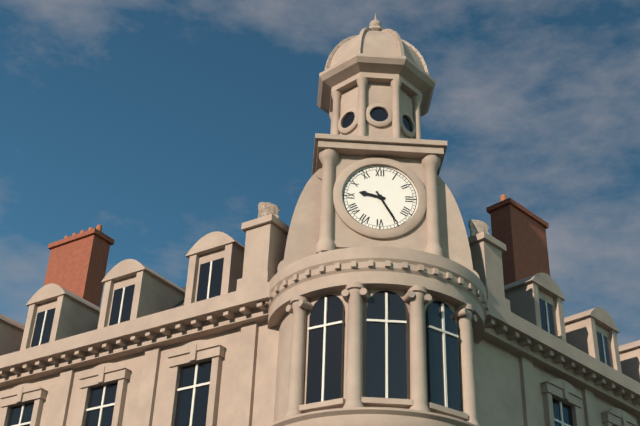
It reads 9,25
